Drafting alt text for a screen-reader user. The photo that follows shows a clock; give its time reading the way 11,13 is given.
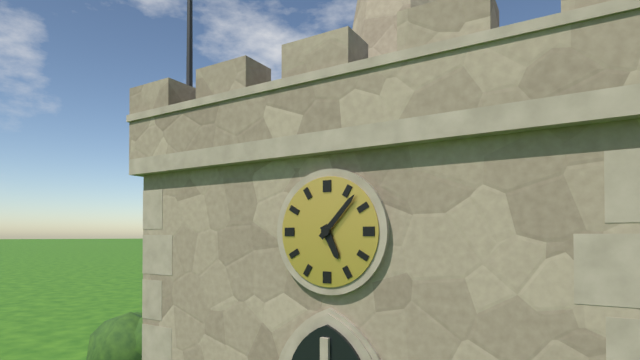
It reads 5,07
